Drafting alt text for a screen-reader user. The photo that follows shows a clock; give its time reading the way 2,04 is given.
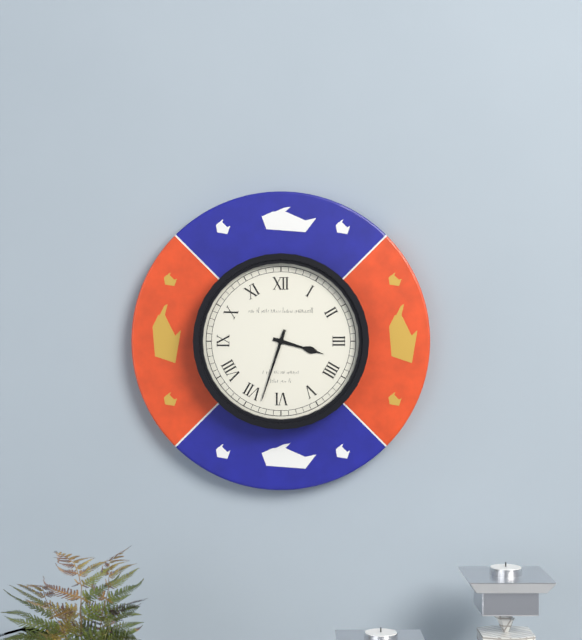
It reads 3,33
